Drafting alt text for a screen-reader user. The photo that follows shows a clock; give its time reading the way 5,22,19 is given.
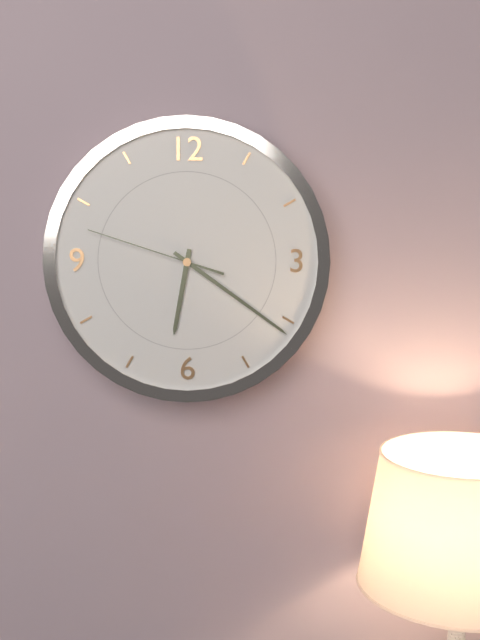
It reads 6,21,48
